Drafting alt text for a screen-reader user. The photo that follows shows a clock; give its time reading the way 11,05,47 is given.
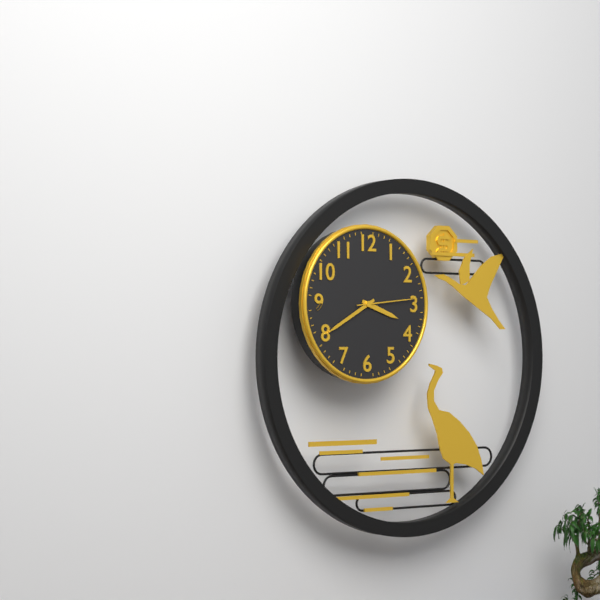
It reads 3,40,14
